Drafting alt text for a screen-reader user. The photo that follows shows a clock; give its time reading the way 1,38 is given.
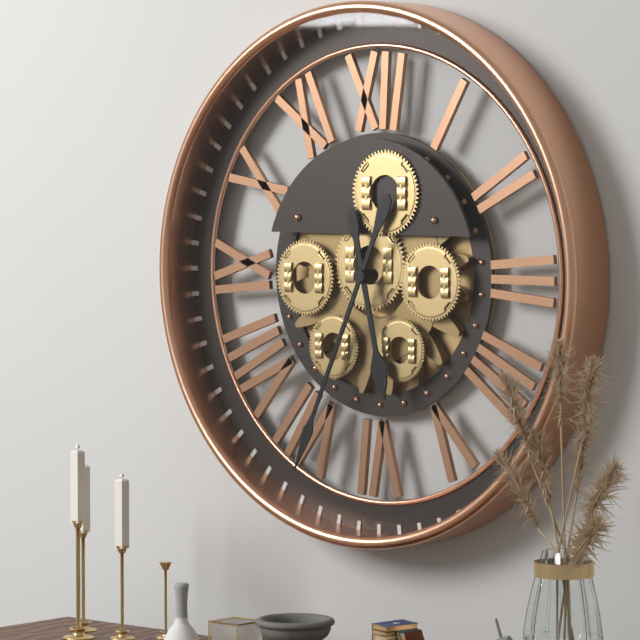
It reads 5,34
